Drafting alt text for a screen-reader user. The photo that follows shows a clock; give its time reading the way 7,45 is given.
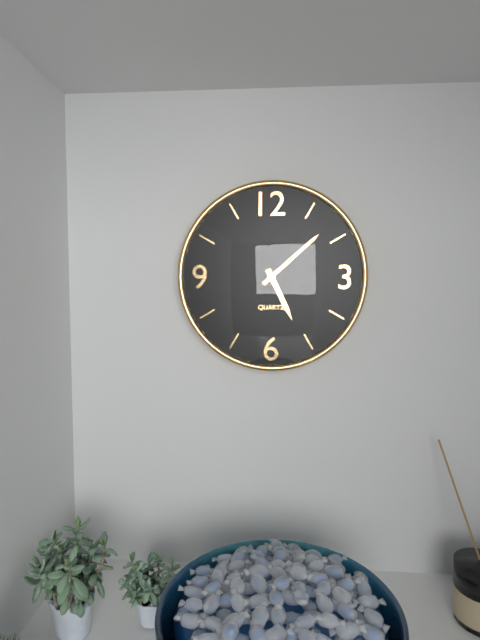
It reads 5,08
